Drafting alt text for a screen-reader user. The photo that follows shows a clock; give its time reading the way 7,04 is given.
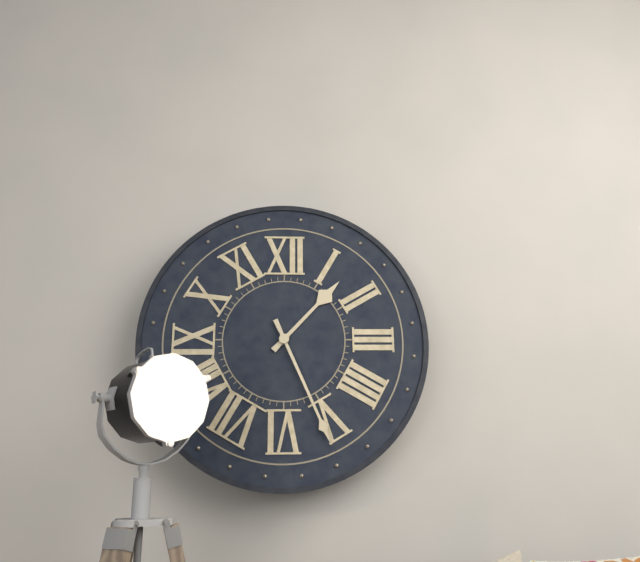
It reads 1,26
